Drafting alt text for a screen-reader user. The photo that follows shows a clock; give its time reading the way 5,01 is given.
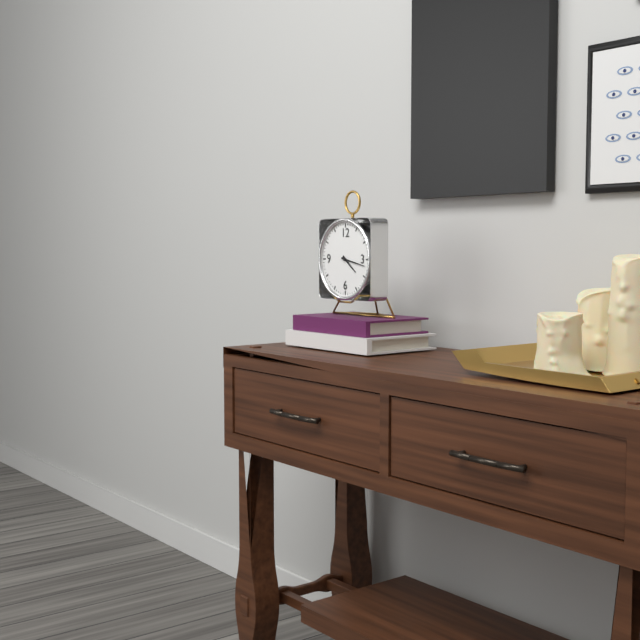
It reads 4,17
